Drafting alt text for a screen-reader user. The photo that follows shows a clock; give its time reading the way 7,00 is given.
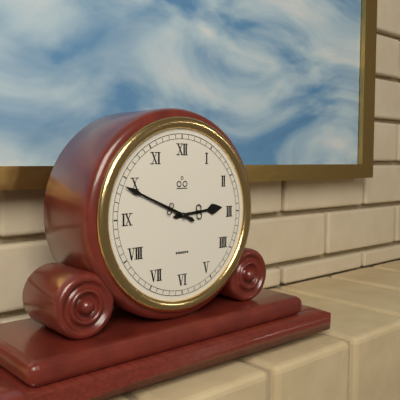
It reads 2,49
